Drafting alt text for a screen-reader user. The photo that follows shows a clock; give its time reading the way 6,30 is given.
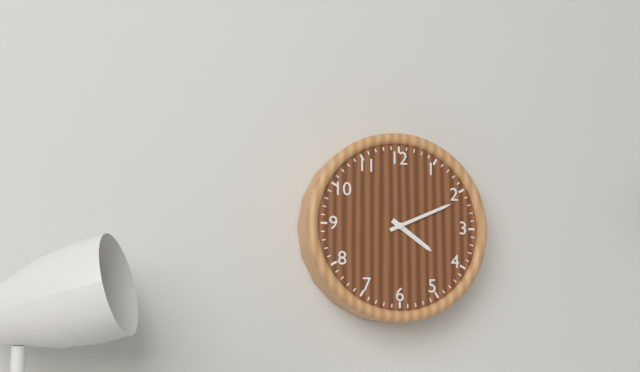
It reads 4,11
